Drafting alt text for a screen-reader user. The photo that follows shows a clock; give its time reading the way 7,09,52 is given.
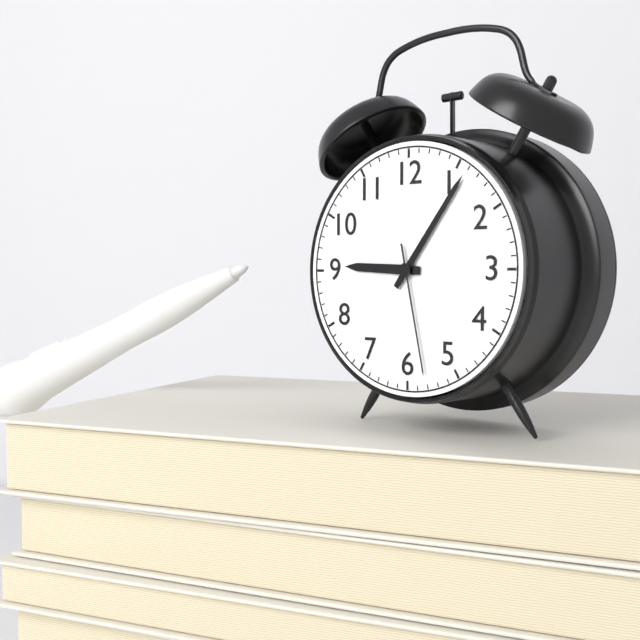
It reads 9,06,28
